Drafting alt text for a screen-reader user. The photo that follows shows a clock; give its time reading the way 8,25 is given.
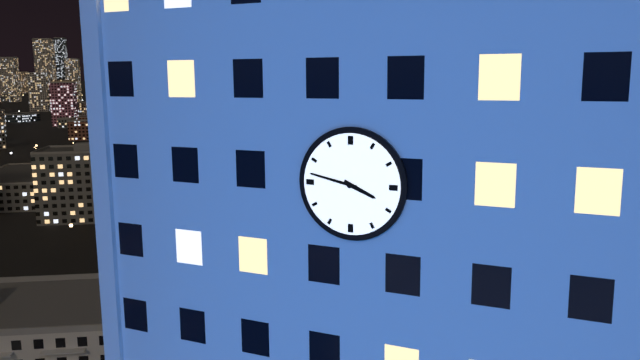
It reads 3,47
